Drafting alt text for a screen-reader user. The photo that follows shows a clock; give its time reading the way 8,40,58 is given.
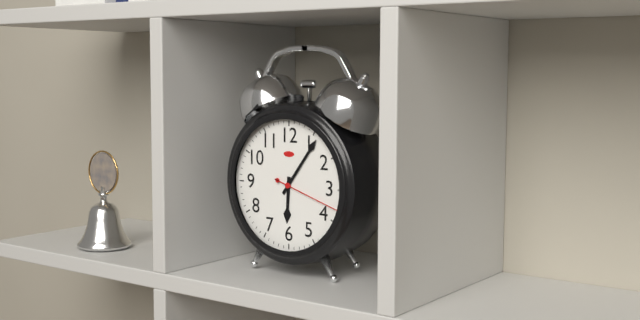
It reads 6,06,18
